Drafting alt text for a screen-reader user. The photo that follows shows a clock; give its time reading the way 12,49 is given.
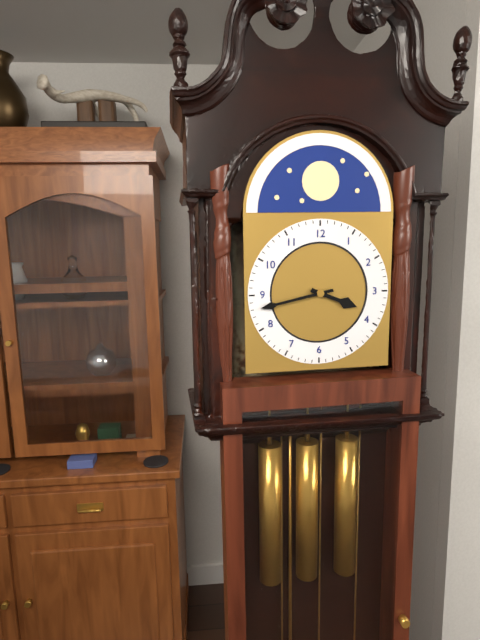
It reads 3,43
